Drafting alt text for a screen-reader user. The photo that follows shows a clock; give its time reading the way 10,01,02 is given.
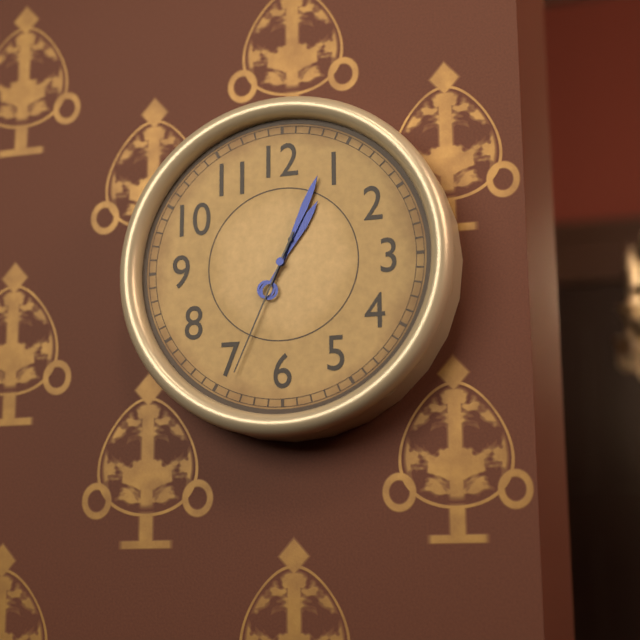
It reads 1,04,34
